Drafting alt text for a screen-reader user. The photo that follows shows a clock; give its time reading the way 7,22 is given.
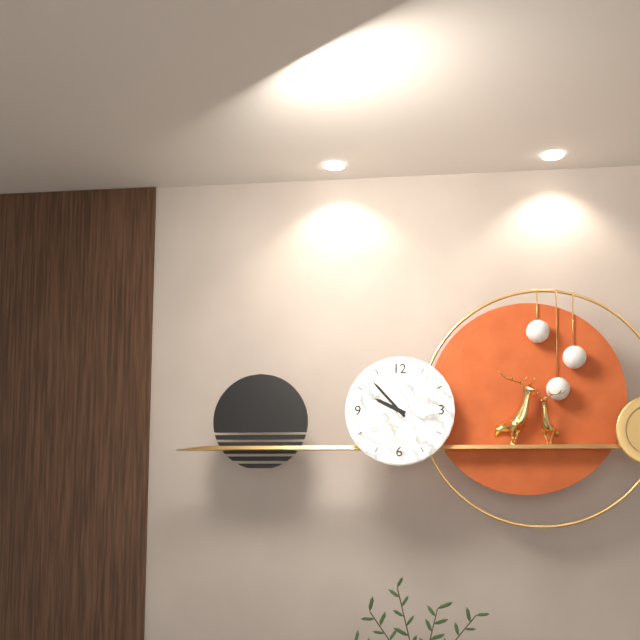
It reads 9,53
